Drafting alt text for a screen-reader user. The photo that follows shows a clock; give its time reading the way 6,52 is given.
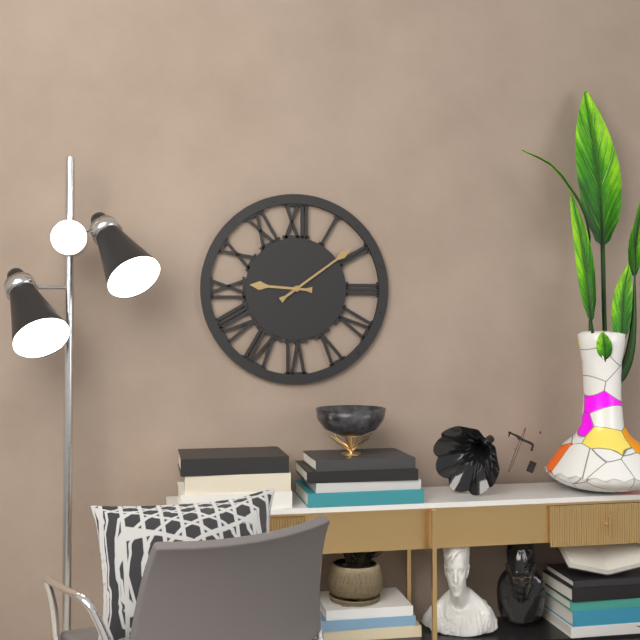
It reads 9,09
